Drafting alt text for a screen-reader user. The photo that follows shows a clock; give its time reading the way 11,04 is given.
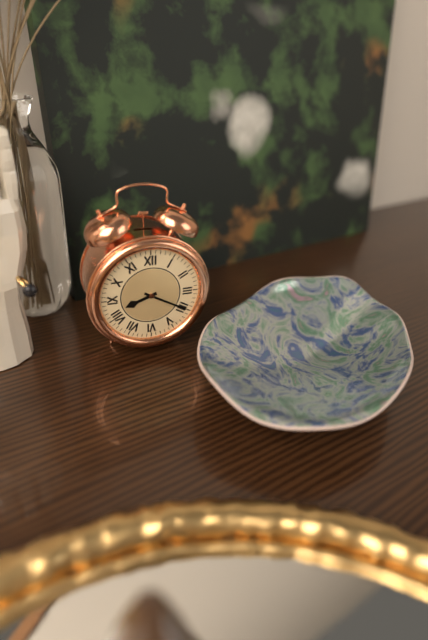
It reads 8,20
